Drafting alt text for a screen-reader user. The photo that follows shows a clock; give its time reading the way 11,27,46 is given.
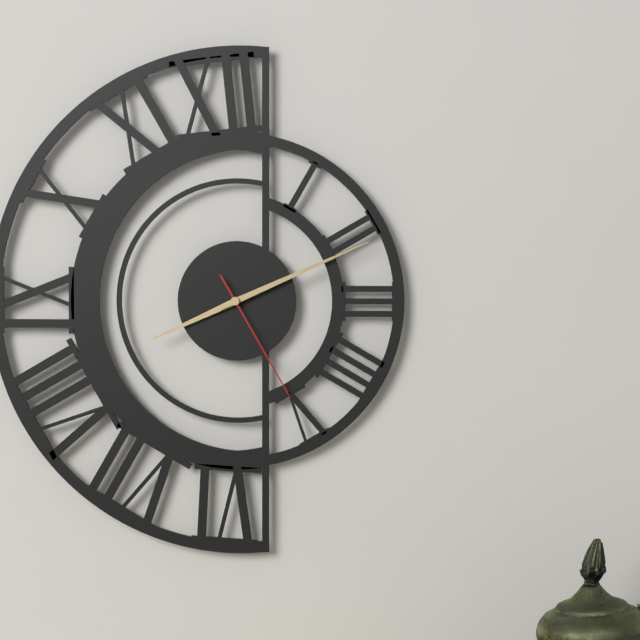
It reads 8,11,25
